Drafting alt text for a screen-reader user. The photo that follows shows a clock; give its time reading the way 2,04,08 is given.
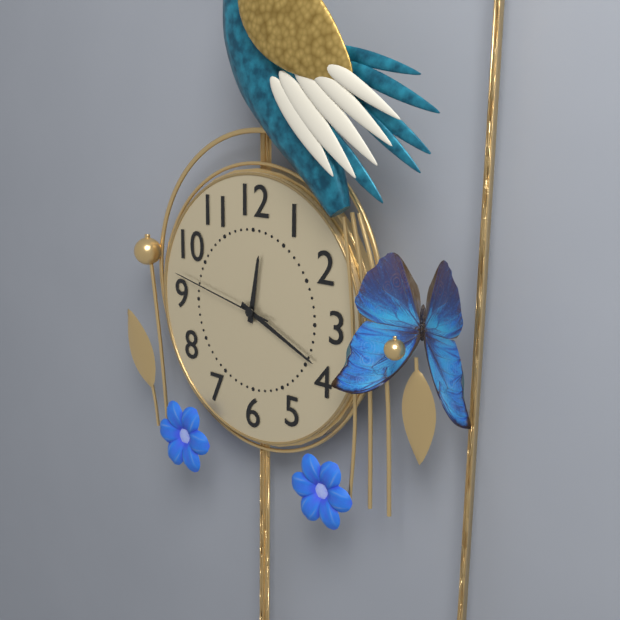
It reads 12,19,47
